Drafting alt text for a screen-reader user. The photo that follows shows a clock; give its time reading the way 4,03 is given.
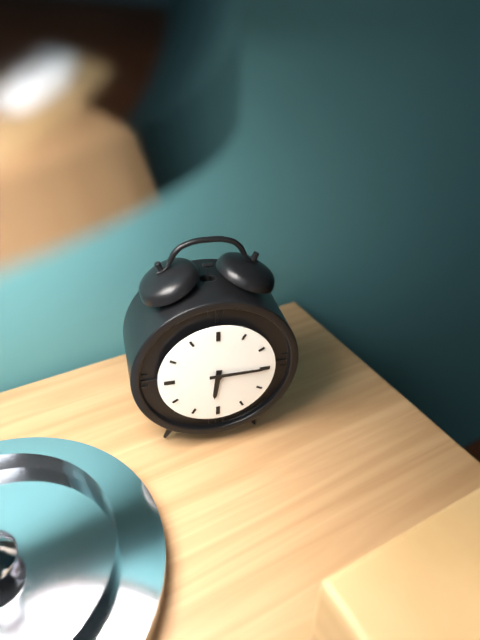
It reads 6,15
